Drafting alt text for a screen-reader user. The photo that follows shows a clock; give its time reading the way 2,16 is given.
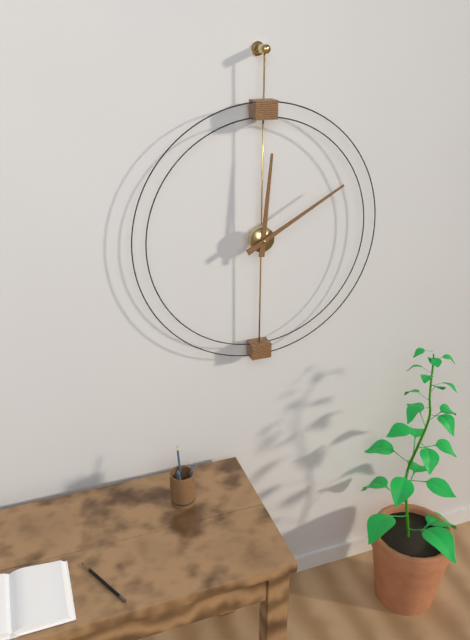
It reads 12,10
